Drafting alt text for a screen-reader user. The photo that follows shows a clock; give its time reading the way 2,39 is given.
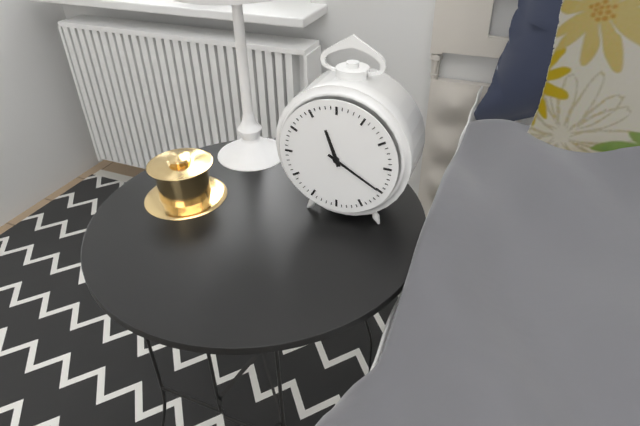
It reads 11,20
